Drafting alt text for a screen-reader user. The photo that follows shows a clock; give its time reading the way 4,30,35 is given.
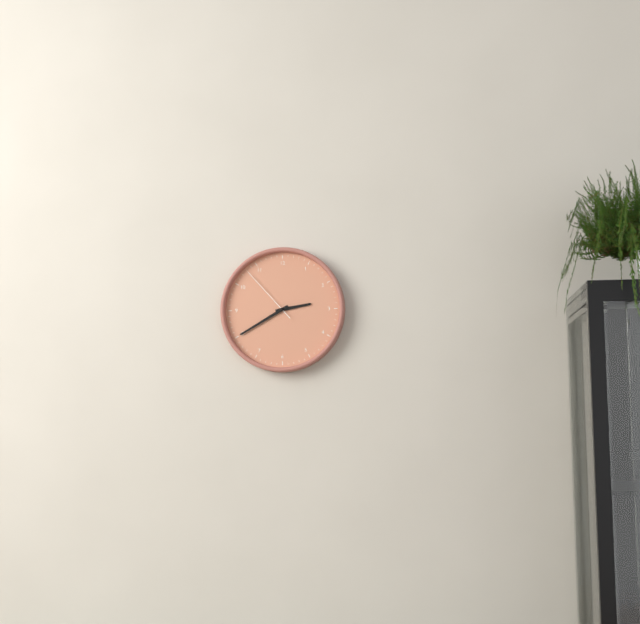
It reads 2,40,53
